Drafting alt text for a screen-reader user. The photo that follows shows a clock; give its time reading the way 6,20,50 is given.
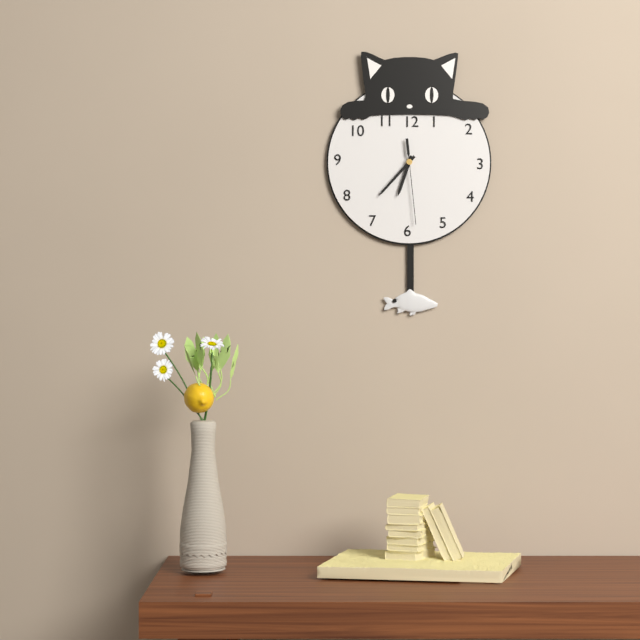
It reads 6,37,29
